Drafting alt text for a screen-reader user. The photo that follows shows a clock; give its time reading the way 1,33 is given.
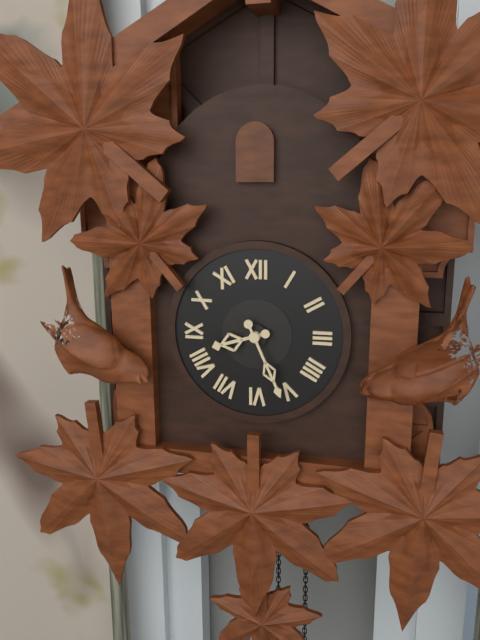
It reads 8,26
